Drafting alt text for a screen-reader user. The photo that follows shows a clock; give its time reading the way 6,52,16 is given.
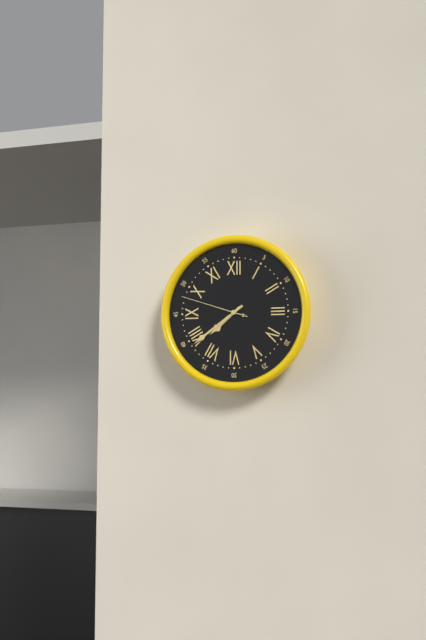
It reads 7,39,48
